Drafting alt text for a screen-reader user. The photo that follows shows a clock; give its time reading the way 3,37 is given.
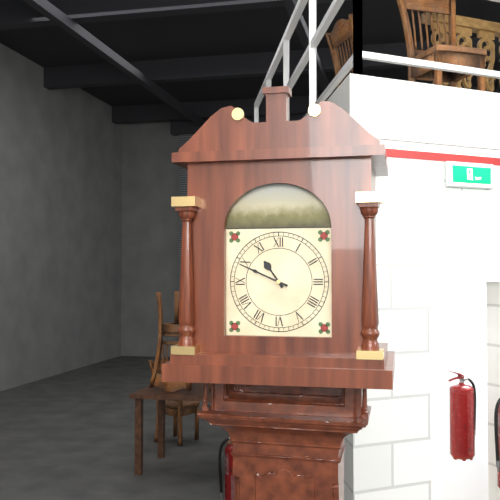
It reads 10,49
